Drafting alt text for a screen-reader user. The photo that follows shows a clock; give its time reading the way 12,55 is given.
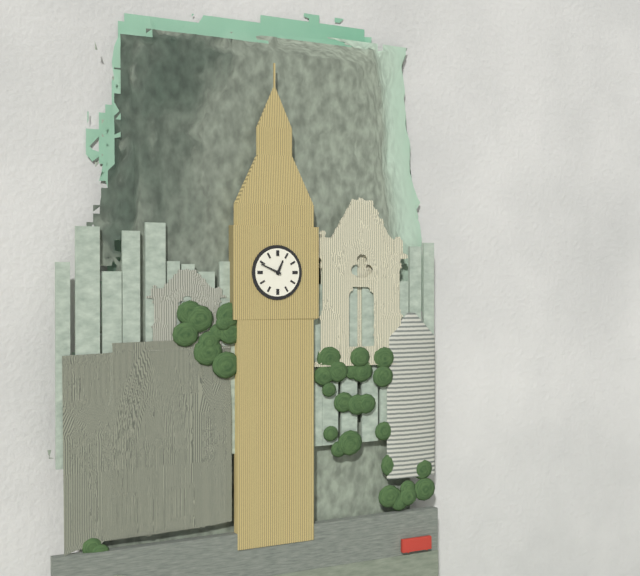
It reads 12,49
